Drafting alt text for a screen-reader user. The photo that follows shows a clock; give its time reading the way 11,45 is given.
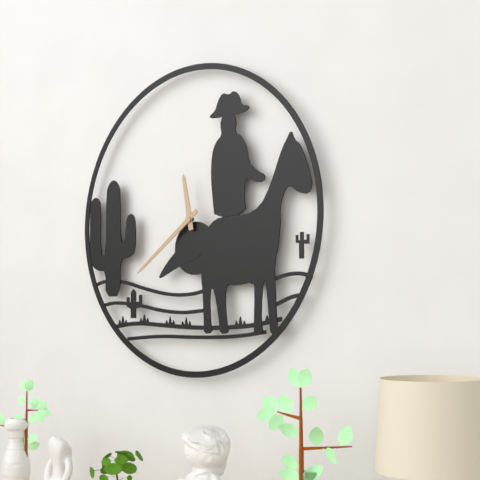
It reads 11,39
